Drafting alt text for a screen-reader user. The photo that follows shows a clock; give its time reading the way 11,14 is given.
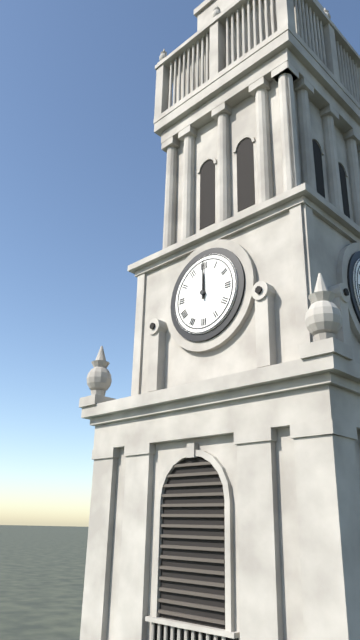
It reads 12,00
